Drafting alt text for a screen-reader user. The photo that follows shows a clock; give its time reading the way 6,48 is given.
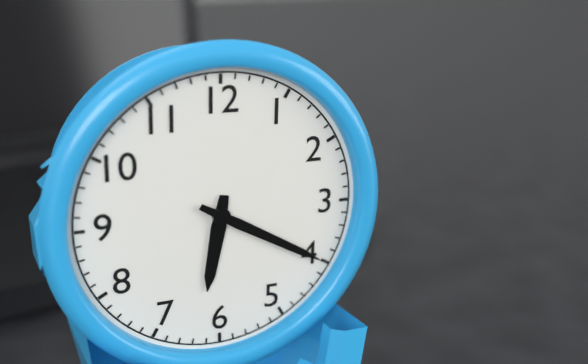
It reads 6,20
